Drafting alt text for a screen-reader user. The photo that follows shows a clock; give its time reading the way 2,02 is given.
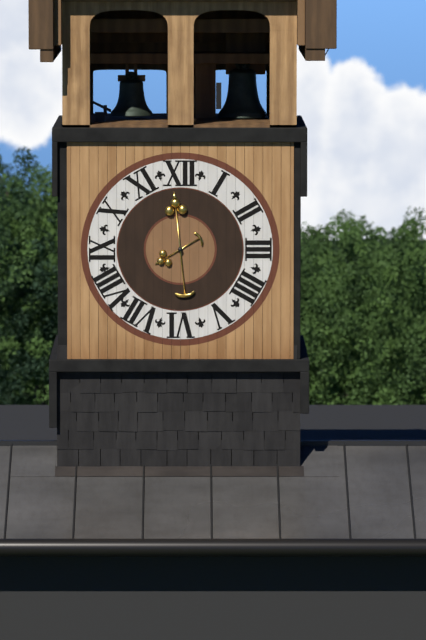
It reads 7,59
